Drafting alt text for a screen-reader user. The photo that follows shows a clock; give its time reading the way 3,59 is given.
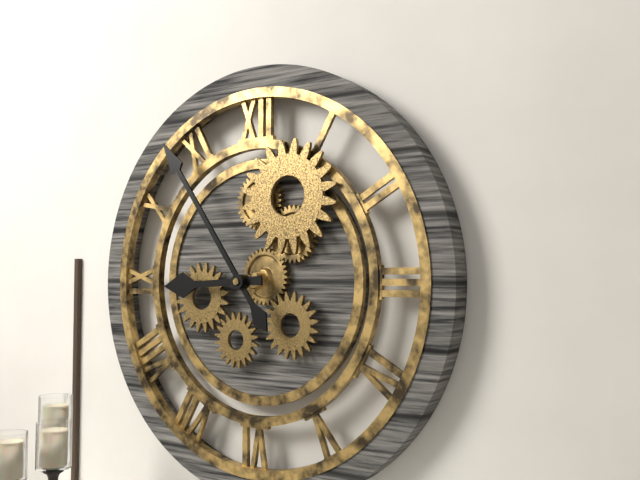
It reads 8,54
